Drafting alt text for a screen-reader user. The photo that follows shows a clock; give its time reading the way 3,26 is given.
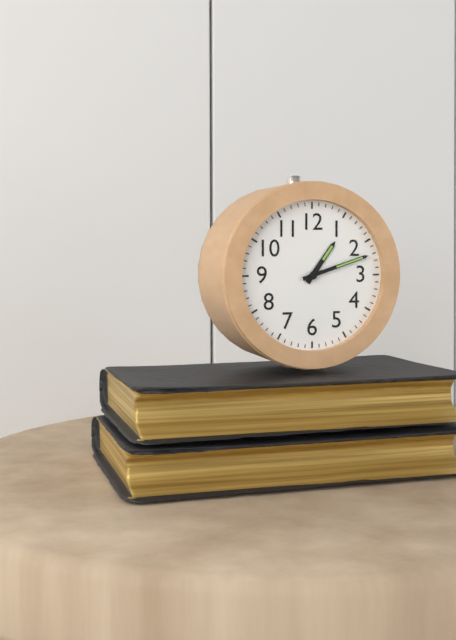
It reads 1,12
